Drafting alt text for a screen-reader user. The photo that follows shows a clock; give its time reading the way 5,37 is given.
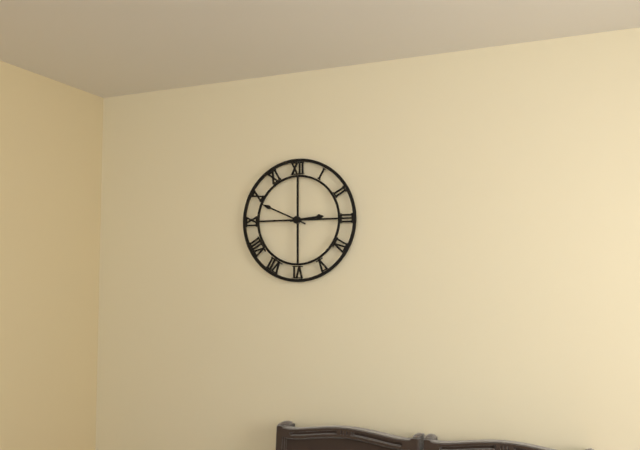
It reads 2,49
